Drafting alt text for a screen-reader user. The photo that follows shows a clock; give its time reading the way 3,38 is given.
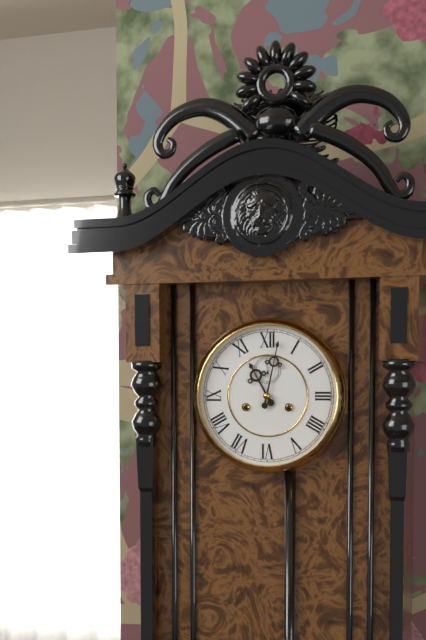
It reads 11,02
